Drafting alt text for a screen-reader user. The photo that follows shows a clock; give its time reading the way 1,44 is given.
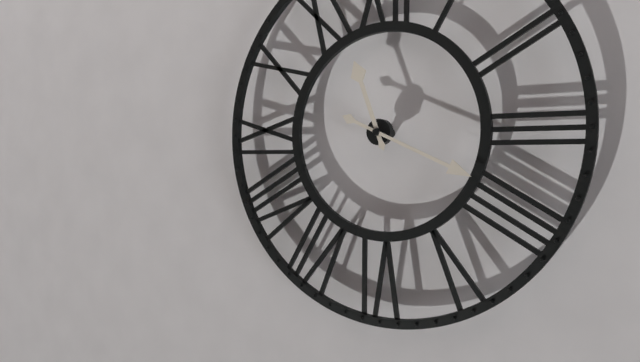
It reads 11,19
